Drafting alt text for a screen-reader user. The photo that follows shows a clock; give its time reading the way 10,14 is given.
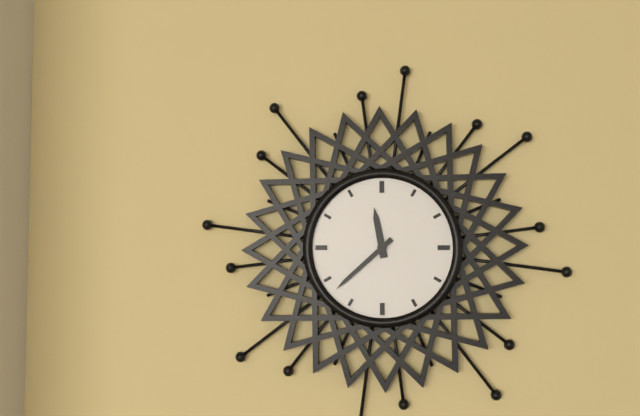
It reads 11,38
